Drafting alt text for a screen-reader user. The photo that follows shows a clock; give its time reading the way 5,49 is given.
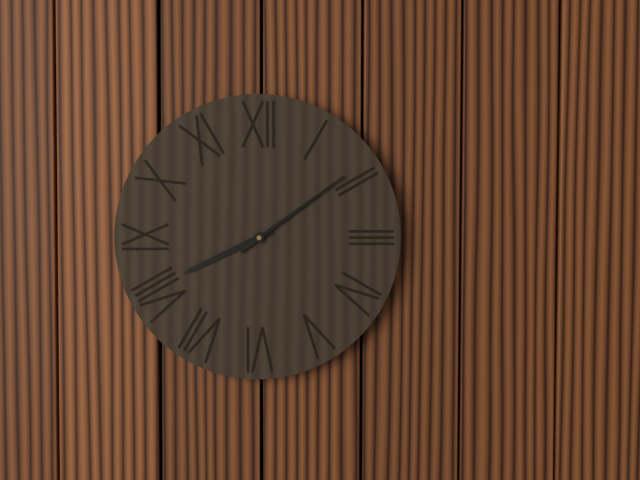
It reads 8,09
